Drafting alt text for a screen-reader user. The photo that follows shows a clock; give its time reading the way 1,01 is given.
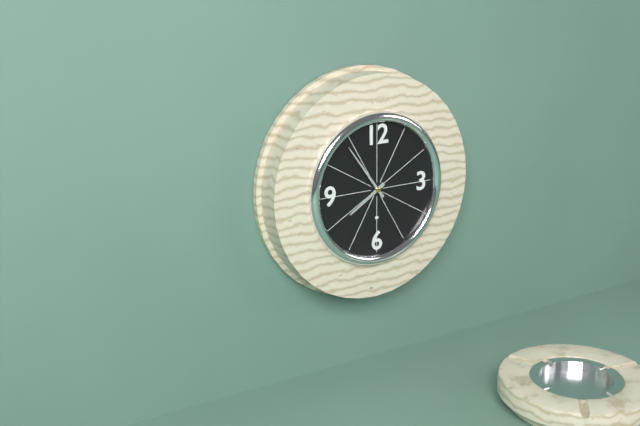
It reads 7,54
